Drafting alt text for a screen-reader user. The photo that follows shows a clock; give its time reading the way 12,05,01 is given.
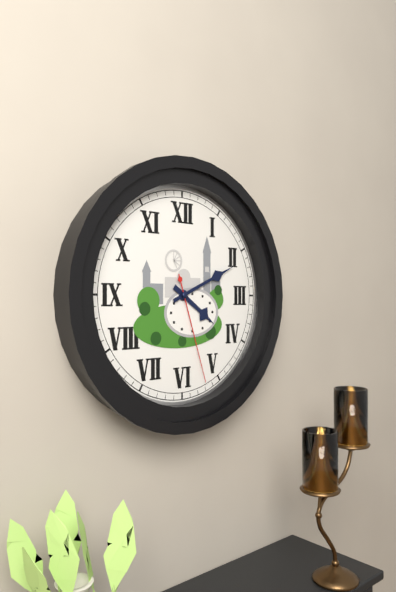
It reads 4,11,27
